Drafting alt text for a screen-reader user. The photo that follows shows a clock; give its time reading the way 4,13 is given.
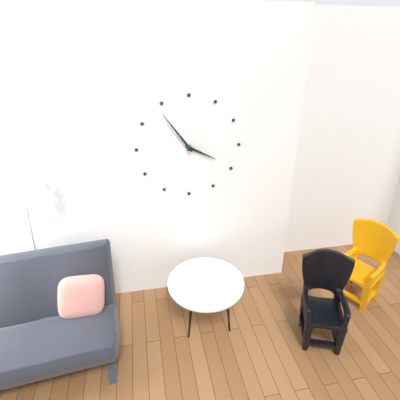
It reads 3,54
